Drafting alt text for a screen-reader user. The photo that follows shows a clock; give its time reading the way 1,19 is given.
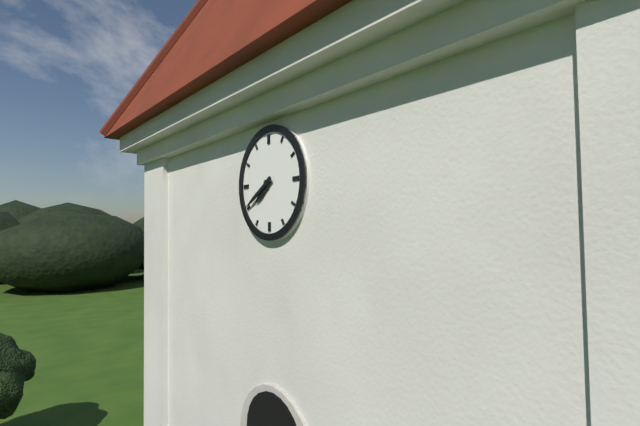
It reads 7,40
